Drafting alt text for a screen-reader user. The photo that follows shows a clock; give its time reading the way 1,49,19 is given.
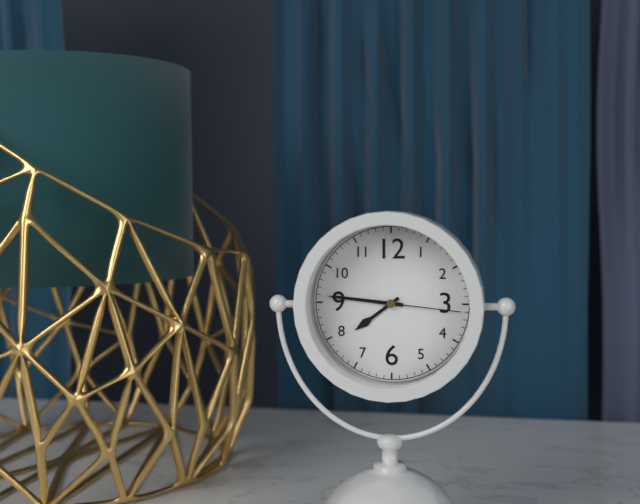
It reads 7,46,16
